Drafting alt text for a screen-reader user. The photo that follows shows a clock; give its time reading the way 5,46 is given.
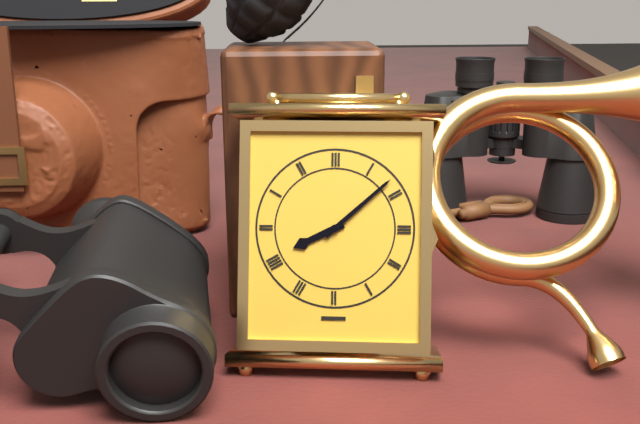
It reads 8,08
